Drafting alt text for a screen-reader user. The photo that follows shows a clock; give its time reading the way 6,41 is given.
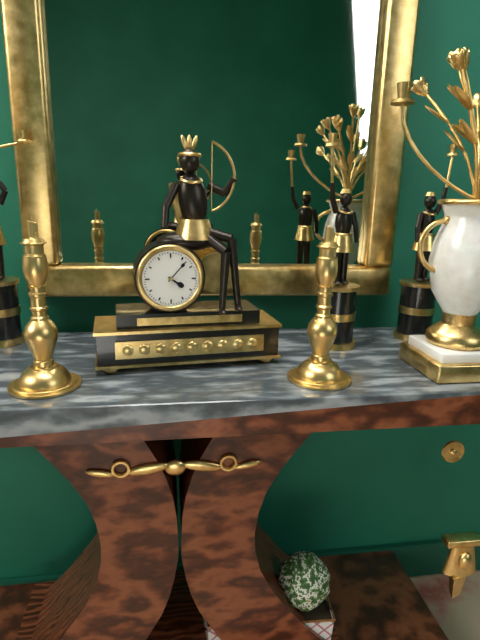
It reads 4,07
